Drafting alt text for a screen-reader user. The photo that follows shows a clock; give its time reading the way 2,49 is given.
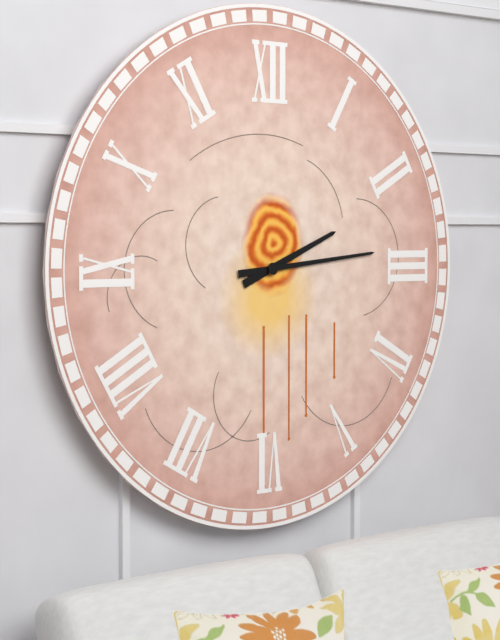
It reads 2,14
